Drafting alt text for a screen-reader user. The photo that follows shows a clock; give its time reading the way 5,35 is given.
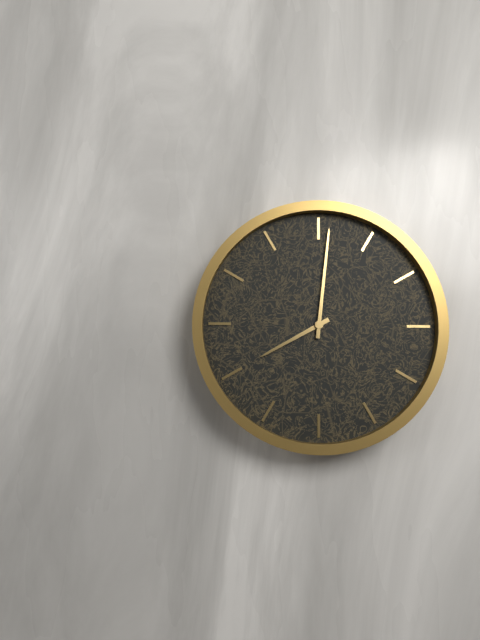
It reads 8,01
